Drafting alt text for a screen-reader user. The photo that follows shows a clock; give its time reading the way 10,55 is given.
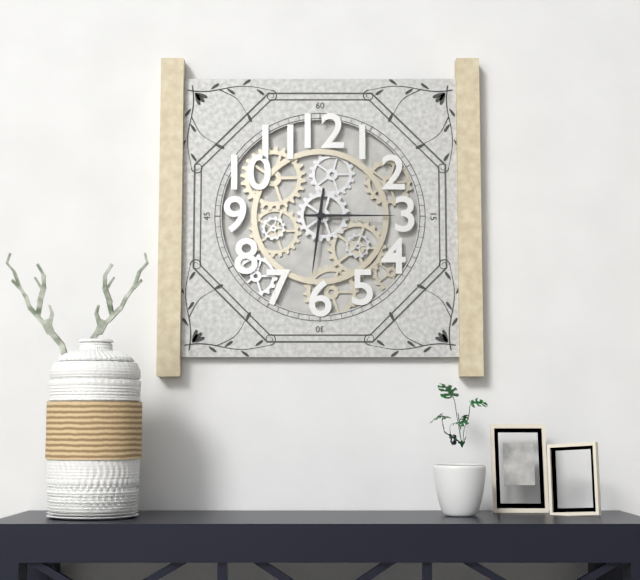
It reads 6,15
